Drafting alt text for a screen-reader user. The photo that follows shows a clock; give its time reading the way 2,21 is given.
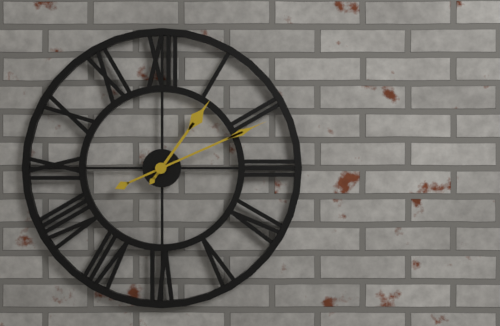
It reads 1,11
